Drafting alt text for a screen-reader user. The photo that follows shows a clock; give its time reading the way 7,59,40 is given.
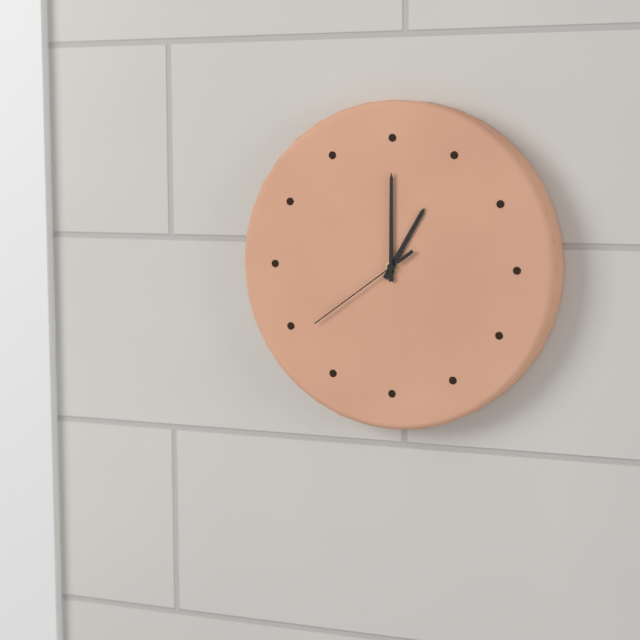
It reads 1,00,39
